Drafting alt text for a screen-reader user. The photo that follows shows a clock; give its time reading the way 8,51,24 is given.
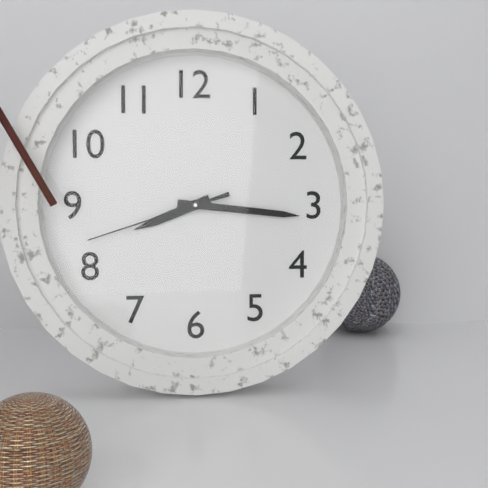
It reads 8,16,42
